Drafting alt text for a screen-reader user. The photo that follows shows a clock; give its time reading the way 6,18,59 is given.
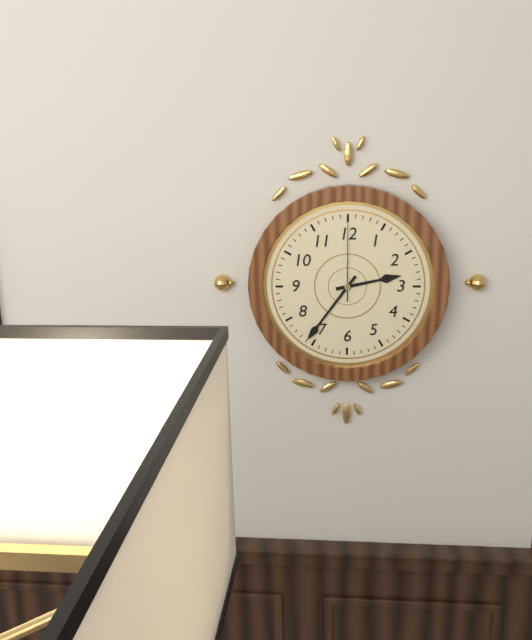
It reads 2,36,00
